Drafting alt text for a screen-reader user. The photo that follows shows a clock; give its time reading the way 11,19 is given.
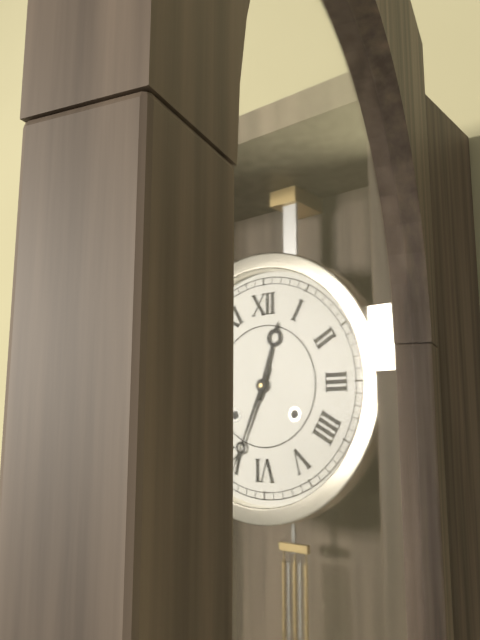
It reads 12,34
